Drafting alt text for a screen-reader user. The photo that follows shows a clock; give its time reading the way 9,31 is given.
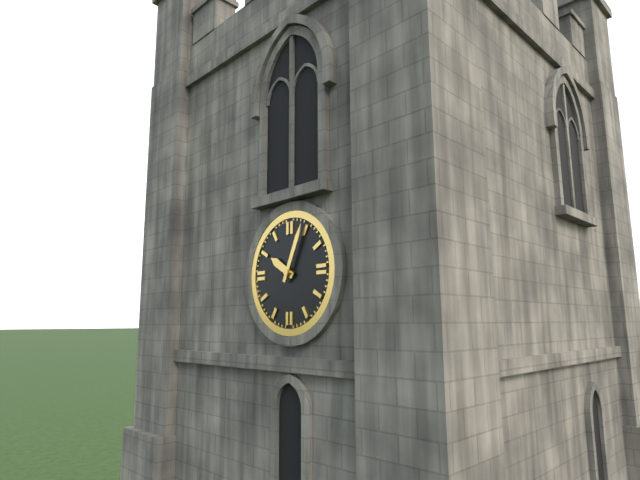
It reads 10,04
